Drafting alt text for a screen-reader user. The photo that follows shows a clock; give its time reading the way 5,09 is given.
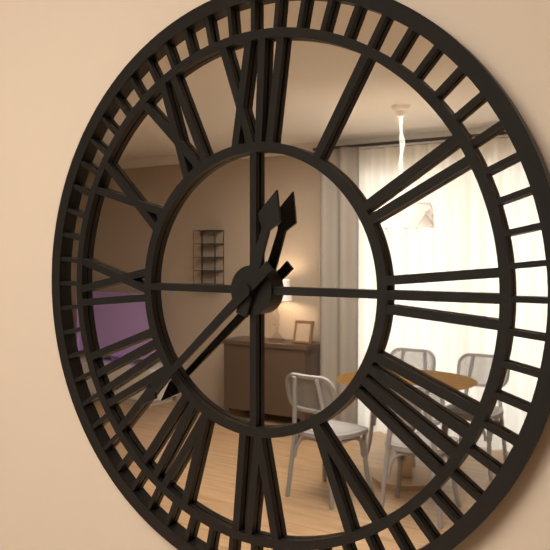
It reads 12,38
